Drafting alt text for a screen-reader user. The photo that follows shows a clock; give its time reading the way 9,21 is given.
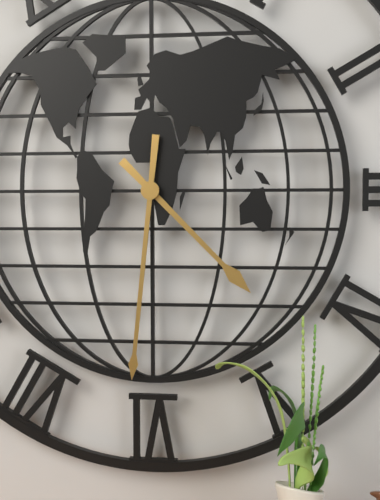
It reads 4,31
